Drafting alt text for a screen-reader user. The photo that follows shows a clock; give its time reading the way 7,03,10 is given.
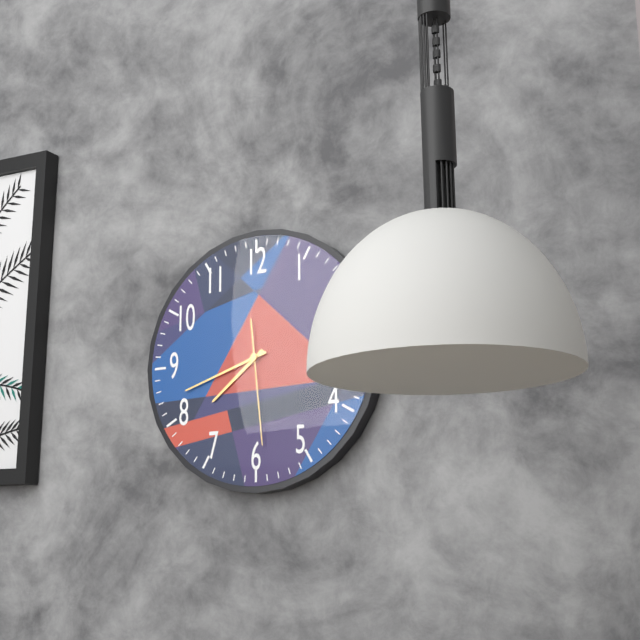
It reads 7,42,29
